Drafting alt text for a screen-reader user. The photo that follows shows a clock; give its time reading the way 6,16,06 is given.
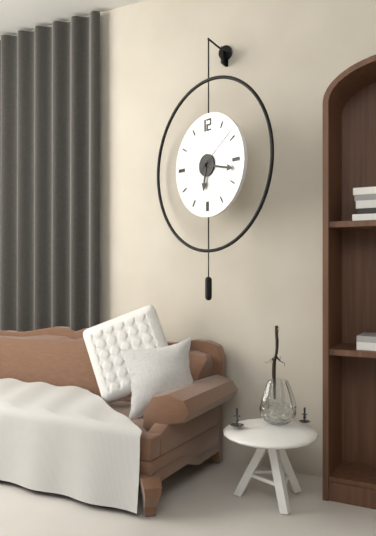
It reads 6,17,09
